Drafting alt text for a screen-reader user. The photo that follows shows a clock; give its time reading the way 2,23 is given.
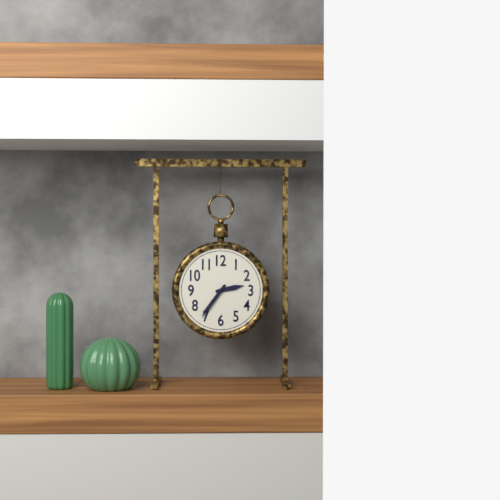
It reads 2,36
